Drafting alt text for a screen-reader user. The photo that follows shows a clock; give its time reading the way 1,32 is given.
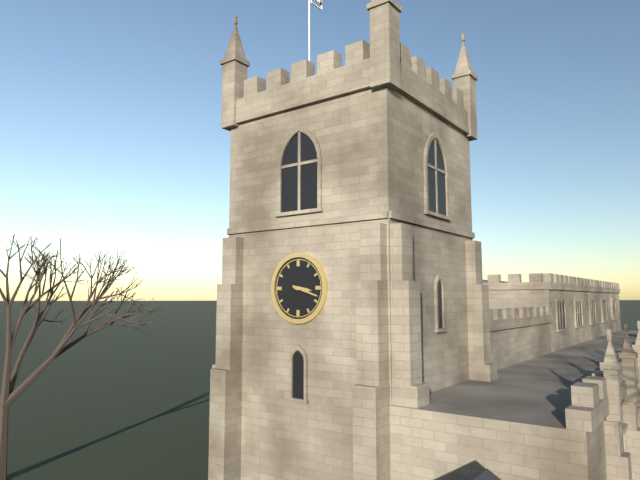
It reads 3,18
